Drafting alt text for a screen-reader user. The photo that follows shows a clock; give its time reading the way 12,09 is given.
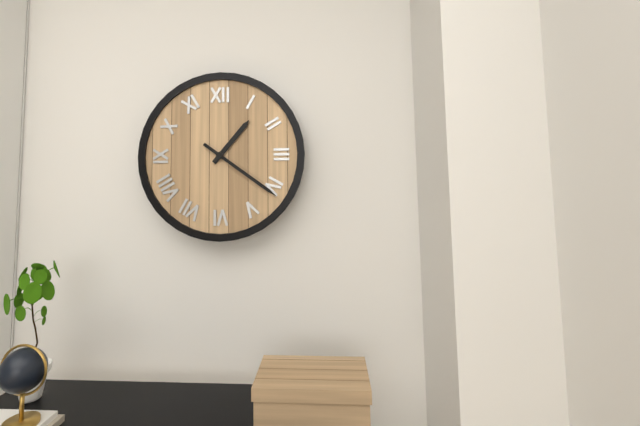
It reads 1,21
